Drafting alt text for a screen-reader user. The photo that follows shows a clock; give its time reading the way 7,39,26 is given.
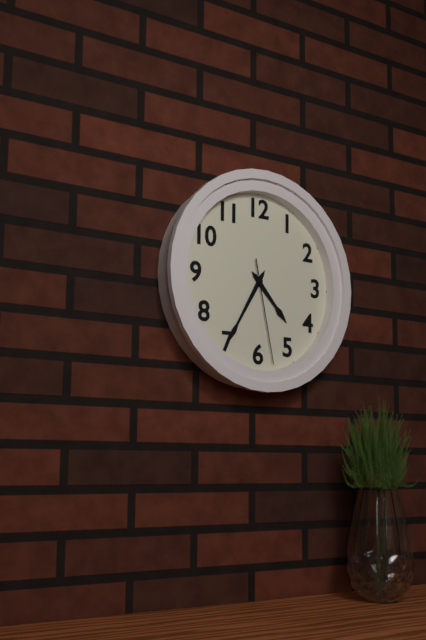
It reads 4,35,28
